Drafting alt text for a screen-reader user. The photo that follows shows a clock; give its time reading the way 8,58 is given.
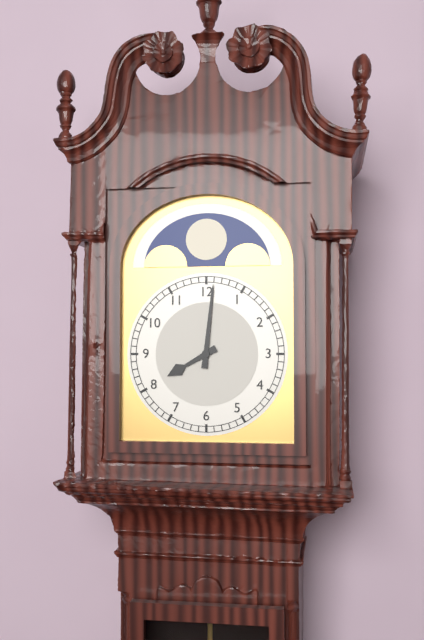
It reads 8,01
